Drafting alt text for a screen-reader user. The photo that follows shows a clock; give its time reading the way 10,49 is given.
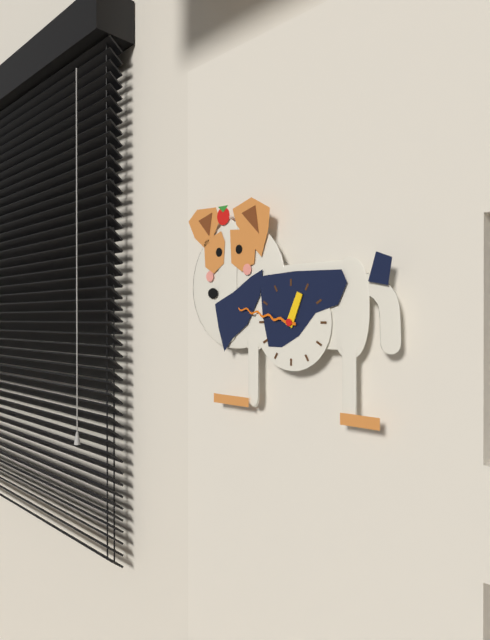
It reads 12,47
